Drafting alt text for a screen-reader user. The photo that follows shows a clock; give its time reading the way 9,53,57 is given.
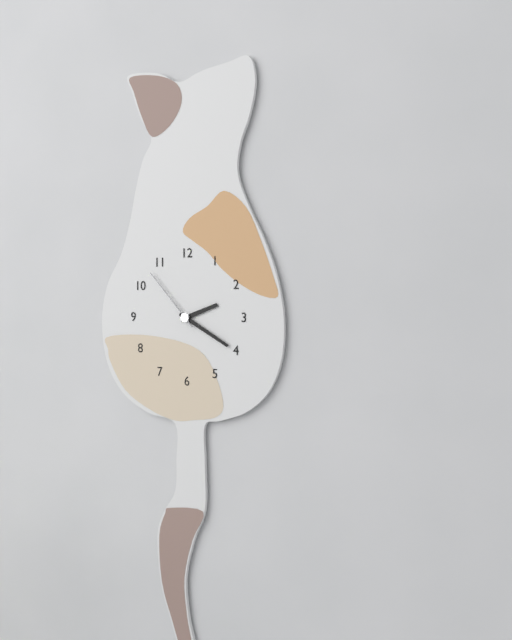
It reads 2,20,53
